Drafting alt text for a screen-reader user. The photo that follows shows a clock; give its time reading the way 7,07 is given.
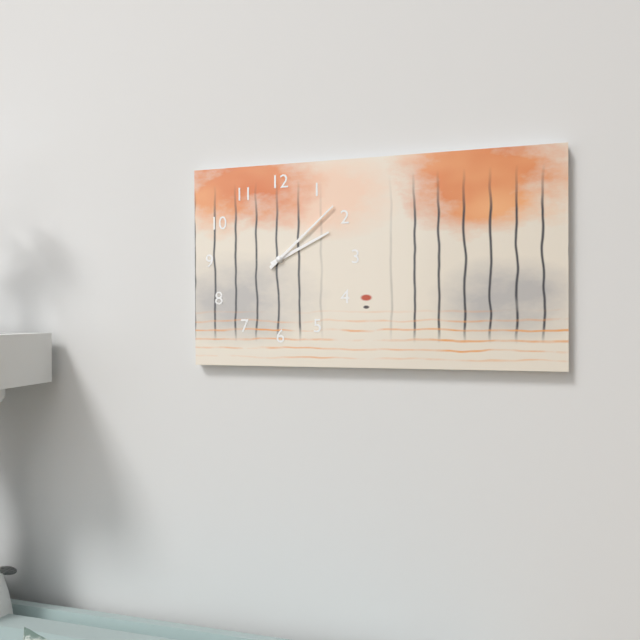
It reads 2,08
